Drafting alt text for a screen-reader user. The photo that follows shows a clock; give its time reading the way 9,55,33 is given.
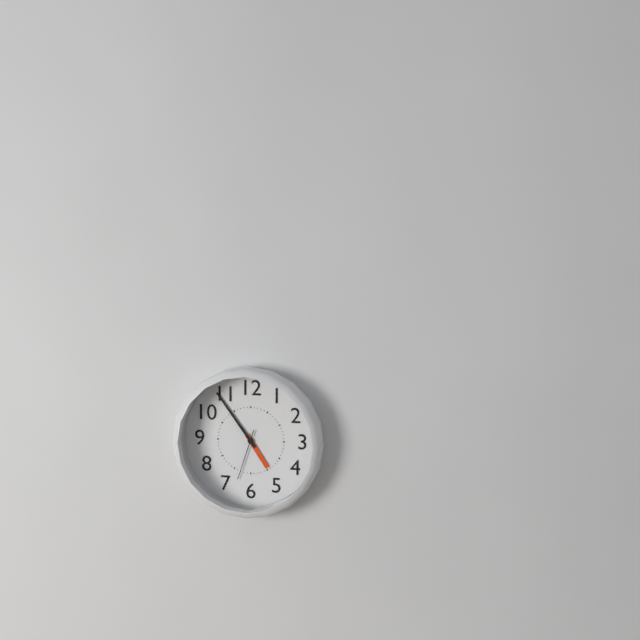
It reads 4,54,33
